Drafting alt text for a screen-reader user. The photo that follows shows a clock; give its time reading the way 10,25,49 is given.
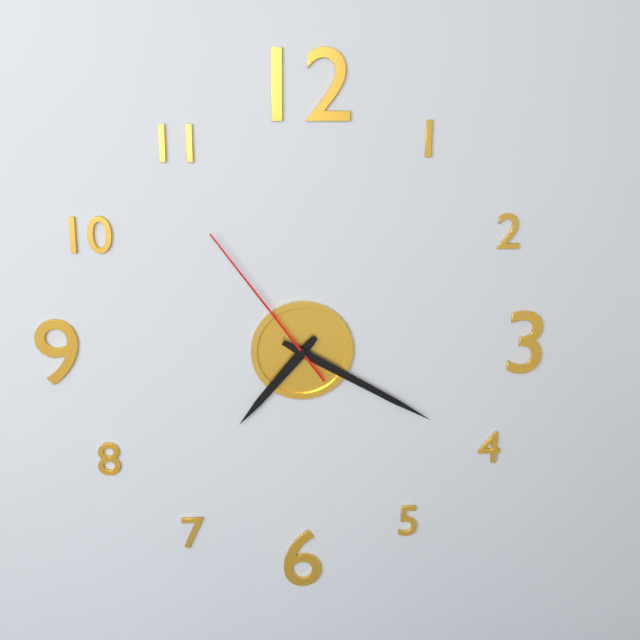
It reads 7,20,54
